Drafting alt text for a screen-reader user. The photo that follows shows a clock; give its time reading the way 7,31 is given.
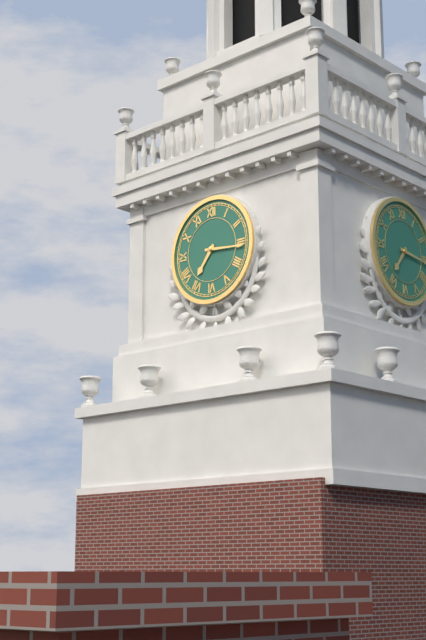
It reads 7,16
